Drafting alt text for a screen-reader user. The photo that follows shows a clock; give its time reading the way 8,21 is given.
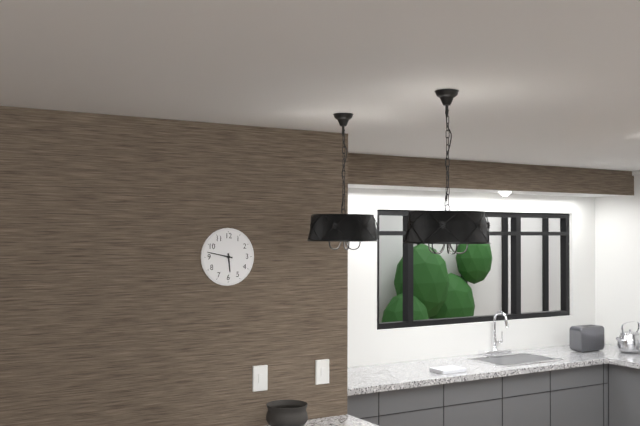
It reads 5,47
